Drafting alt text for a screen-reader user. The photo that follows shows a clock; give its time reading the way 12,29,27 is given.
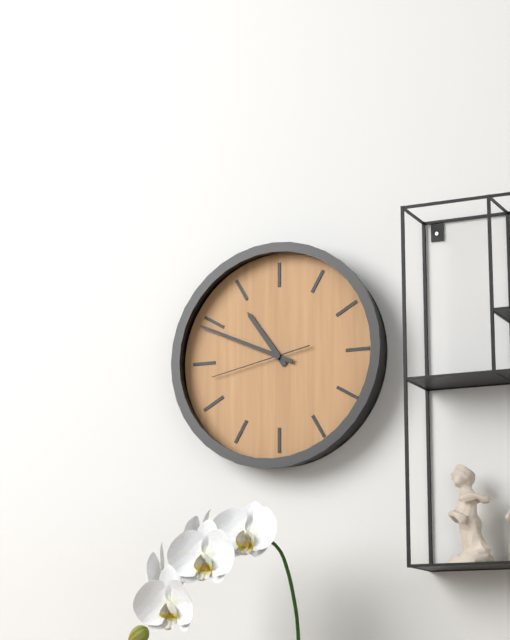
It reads 10,49,43
